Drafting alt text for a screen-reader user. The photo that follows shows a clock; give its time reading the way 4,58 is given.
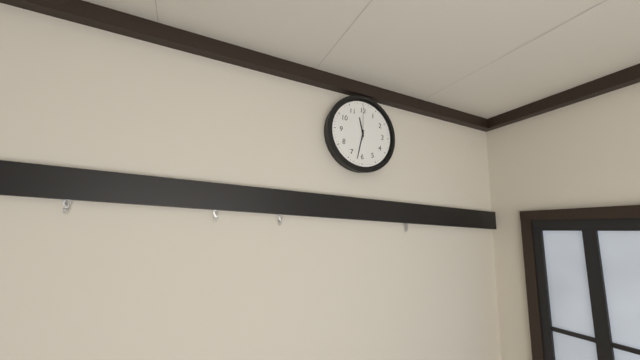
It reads 11,32
